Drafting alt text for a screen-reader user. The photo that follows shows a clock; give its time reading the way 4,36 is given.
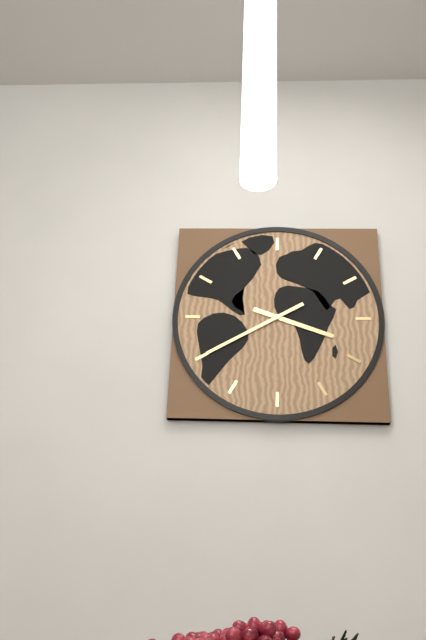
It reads 3,40
